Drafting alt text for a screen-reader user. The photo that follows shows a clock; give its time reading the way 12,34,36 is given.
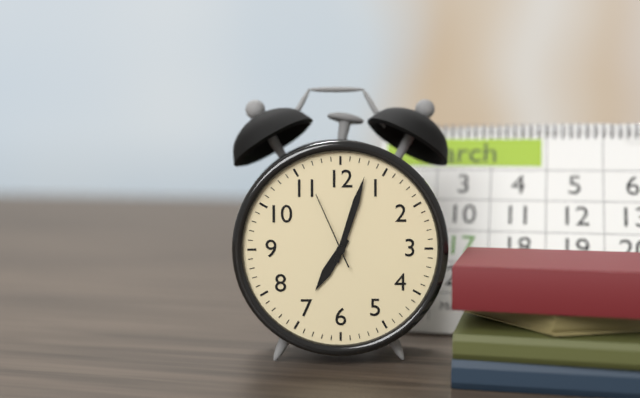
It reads 7,03,56
